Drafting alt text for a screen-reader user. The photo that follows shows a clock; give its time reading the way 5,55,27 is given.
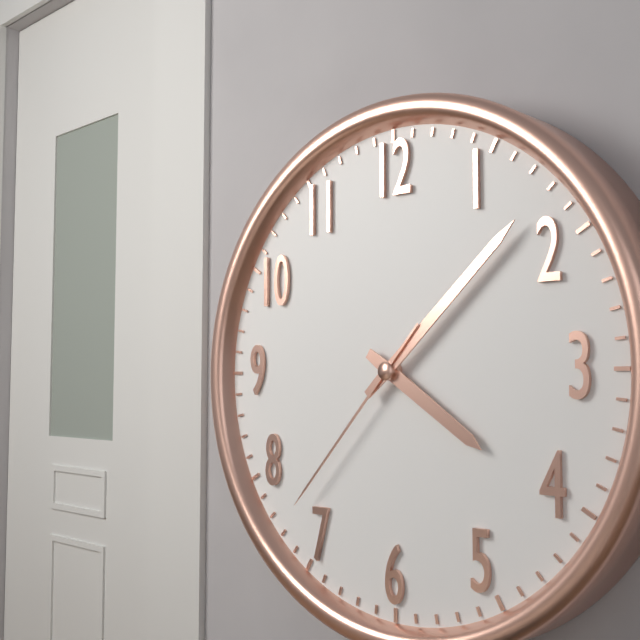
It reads 4,08,37
